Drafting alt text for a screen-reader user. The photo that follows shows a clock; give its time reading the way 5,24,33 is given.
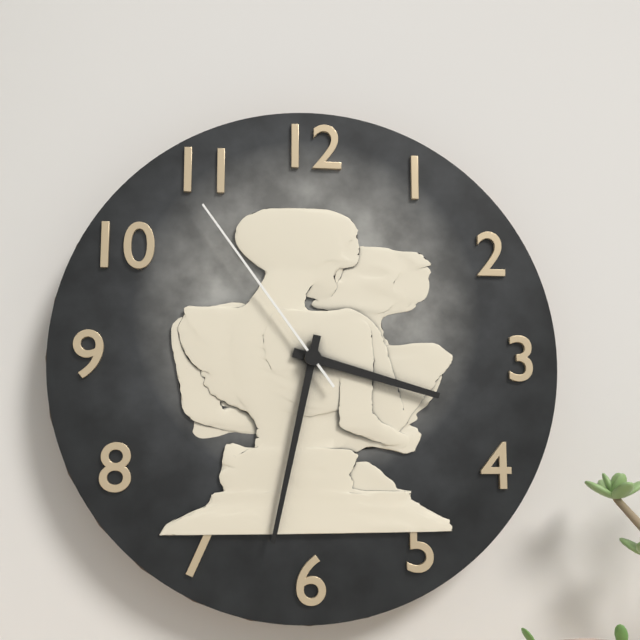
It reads 3,32,54
